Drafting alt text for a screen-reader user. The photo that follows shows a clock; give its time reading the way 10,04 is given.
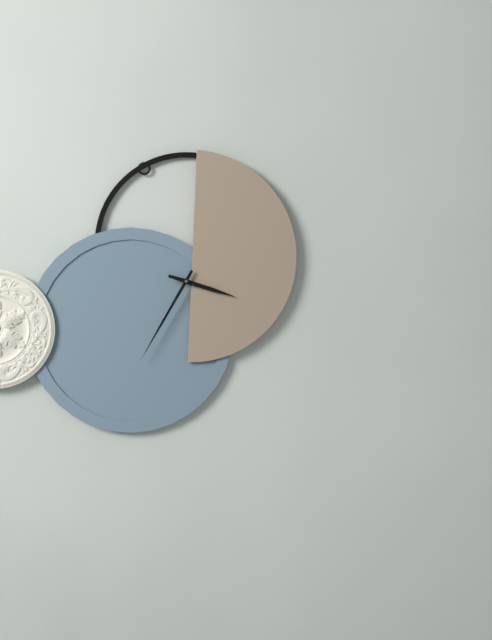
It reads 3,35
